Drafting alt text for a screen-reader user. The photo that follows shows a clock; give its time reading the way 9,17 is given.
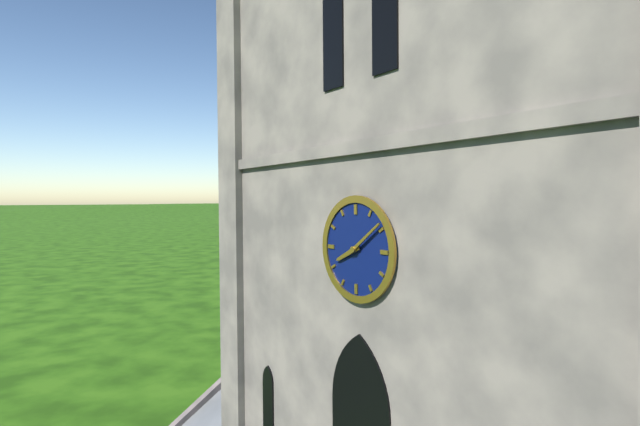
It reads 8,09
